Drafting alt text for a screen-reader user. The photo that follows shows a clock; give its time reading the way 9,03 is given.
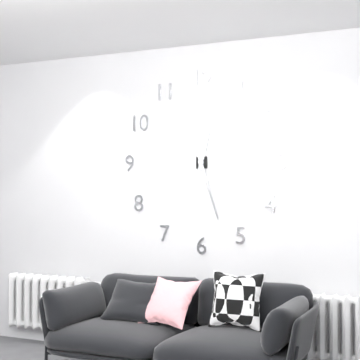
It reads 12,27
